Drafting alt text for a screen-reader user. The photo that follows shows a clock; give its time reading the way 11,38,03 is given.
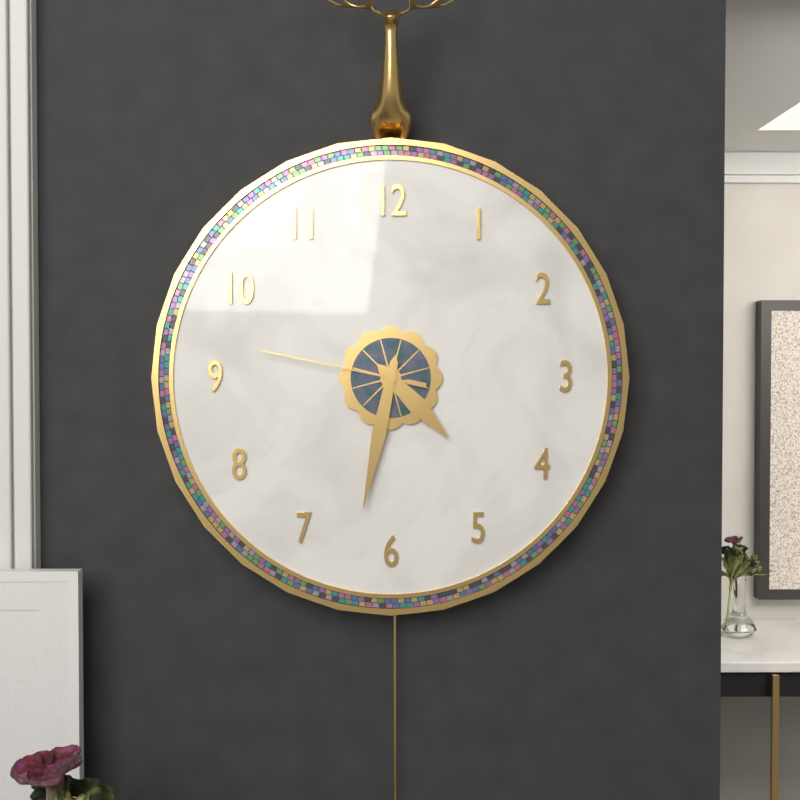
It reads 4,32,47
